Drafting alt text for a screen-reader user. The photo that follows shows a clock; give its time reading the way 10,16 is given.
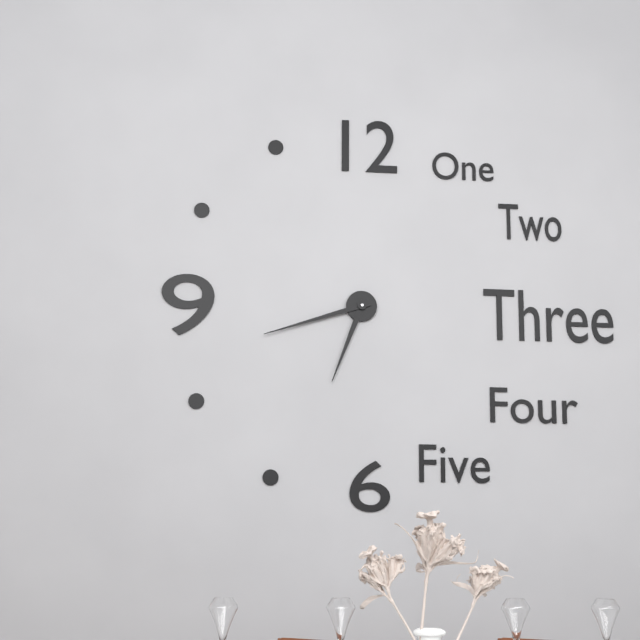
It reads 6,42
